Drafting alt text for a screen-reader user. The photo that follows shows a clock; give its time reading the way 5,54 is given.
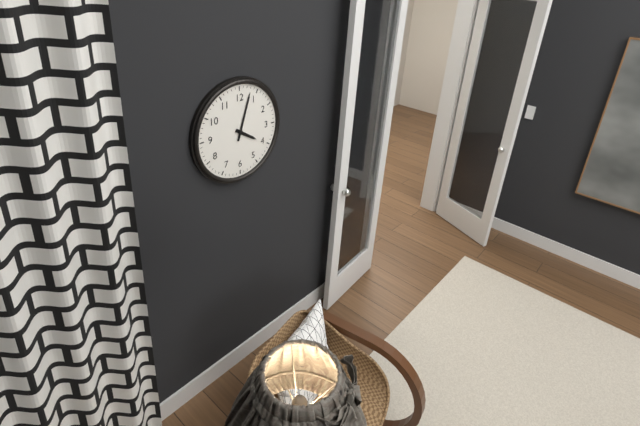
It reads 4,03
